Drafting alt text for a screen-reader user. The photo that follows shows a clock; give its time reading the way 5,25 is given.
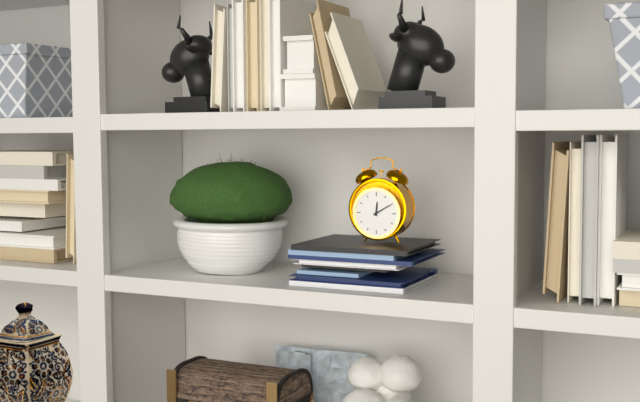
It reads 12,10
